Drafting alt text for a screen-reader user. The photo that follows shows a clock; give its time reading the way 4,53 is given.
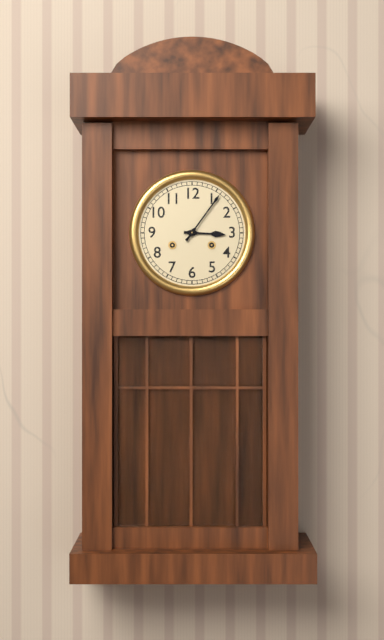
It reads 3,06
